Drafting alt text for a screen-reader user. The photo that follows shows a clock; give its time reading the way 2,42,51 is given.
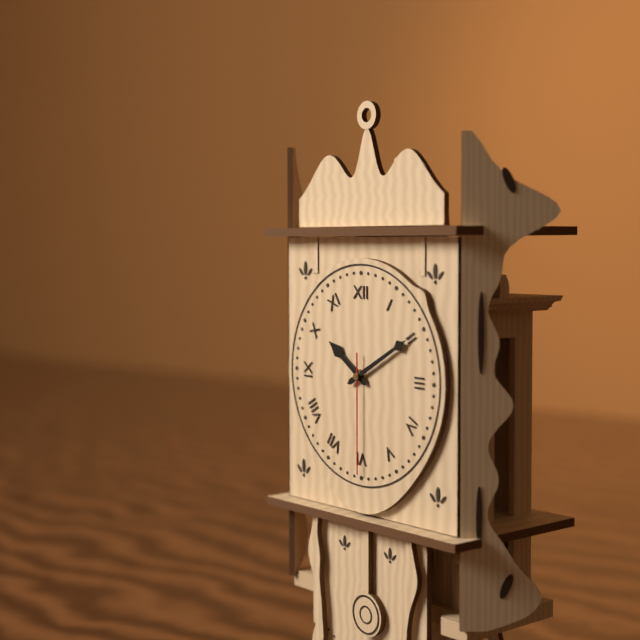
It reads 10,10,30
